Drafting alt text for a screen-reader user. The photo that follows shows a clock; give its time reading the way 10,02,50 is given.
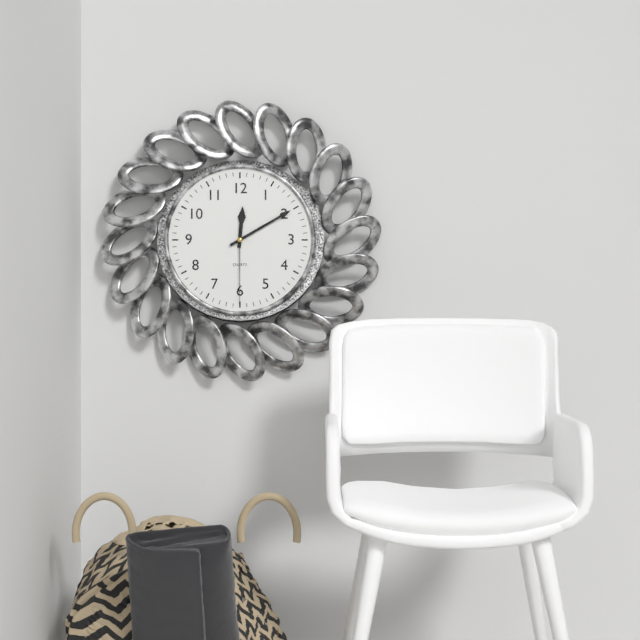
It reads 12,10,30
